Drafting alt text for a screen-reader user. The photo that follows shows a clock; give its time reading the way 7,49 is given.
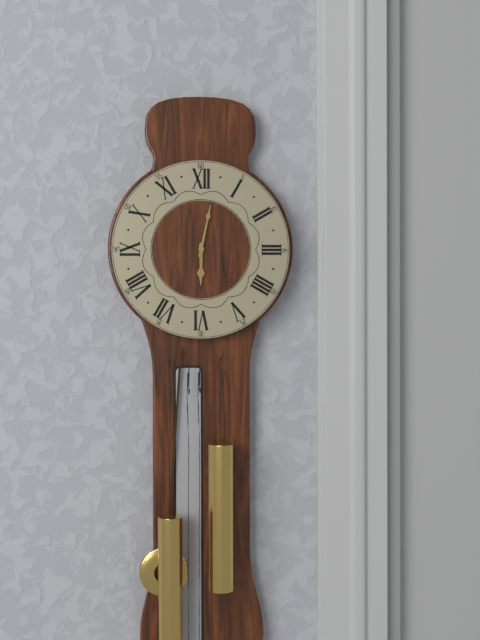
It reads 6,02
